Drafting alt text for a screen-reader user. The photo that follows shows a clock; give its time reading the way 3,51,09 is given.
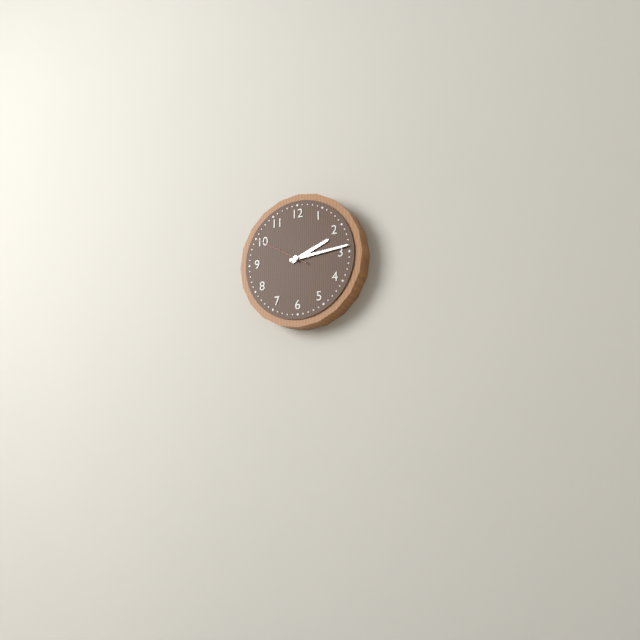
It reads 2,14,50
